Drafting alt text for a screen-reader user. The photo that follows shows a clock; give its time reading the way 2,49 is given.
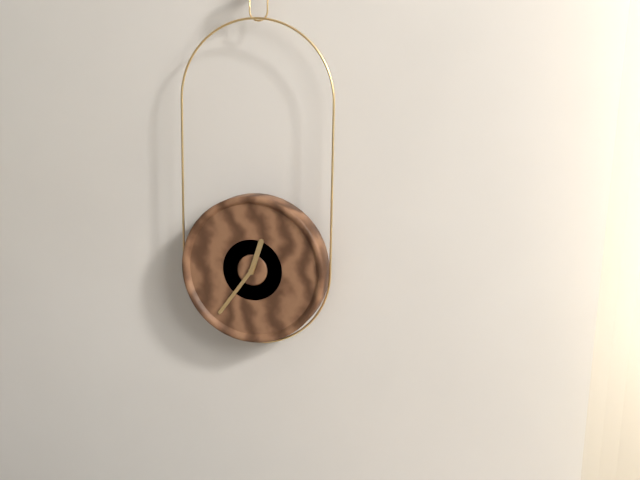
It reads 12,36
